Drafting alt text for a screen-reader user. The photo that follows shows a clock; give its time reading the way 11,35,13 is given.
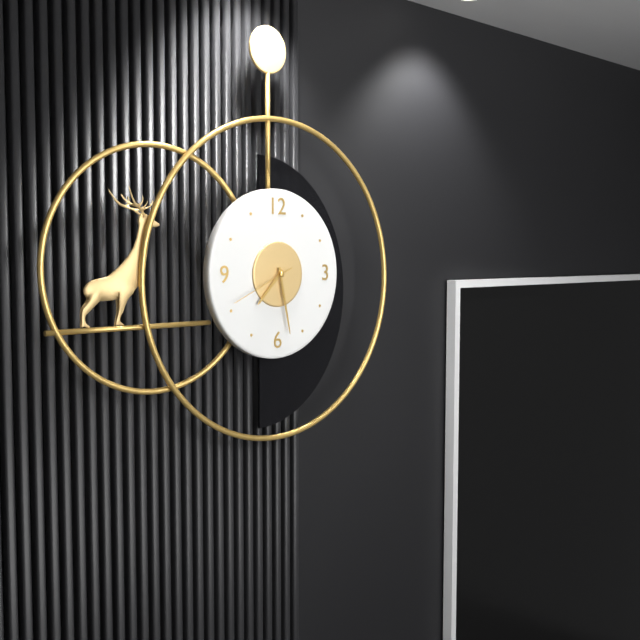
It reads 7,28,41
